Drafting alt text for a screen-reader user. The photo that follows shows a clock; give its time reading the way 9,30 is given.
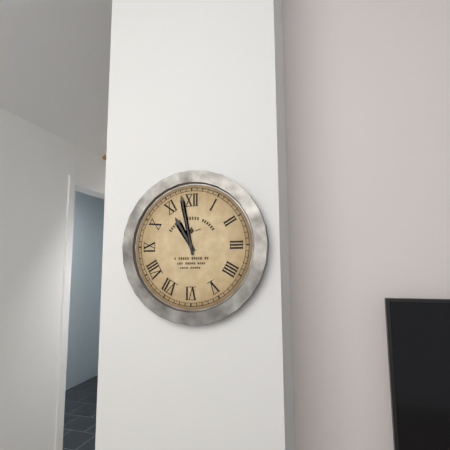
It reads 10,58
